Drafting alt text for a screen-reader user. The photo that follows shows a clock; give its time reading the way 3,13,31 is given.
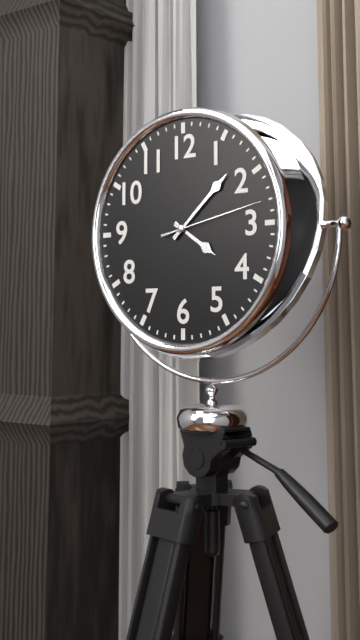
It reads 4,08,13
